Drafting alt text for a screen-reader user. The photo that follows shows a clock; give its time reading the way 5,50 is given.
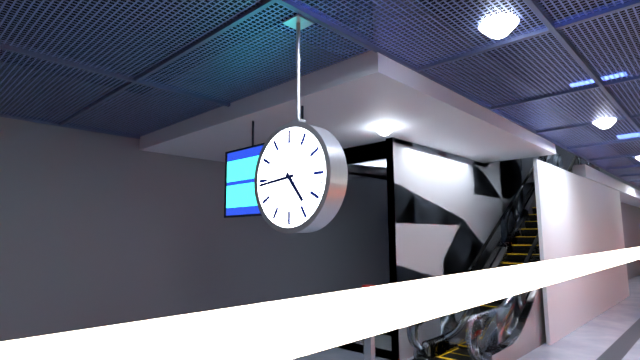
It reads 4,44
